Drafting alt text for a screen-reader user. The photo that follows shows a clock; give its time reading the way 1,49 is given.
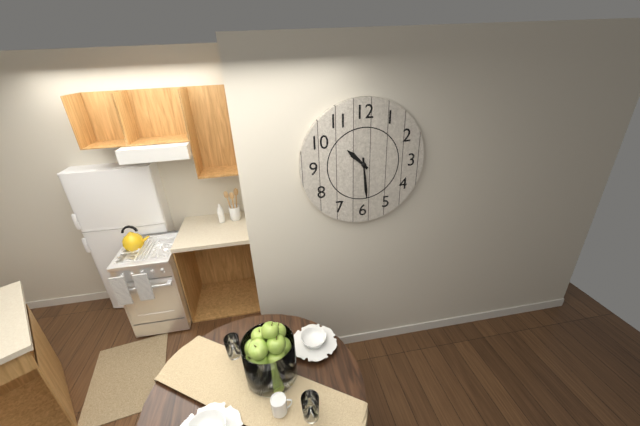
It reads 10,29
